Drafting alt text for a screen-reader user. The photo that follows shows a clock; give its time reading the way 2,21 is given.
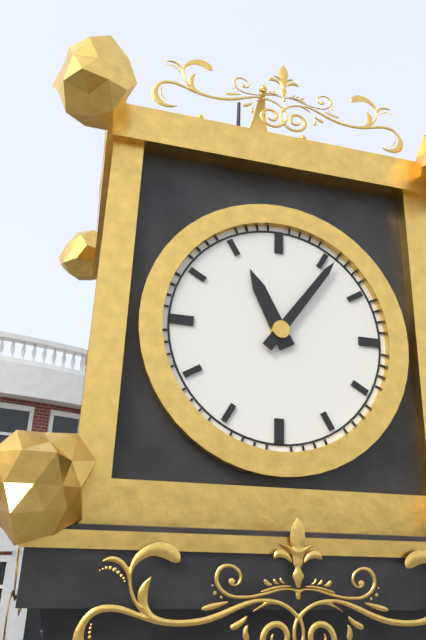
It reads 11,06
